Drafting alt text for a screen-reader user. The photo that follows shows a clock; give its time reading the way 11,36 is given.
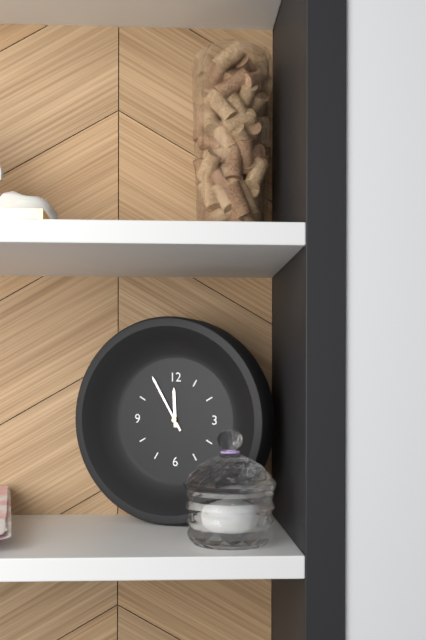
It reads 11,55
